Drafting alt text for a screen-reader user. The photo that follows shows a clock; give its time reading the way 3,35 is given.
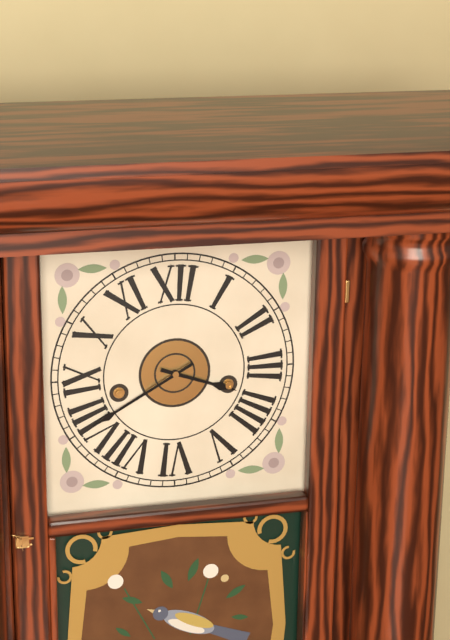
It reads 3,40
